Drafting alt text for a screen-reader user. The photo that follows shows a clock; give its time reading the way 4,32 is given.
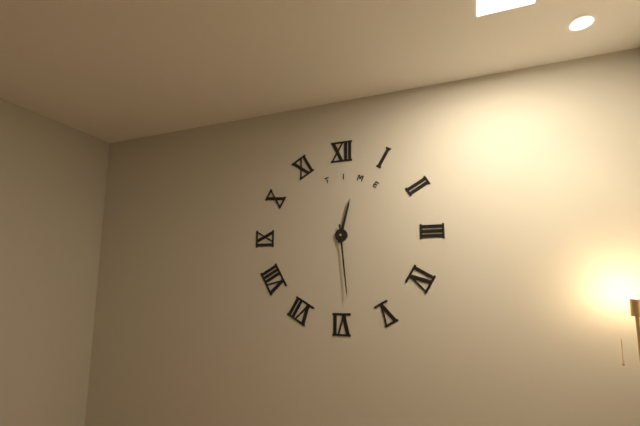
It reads 12,29
